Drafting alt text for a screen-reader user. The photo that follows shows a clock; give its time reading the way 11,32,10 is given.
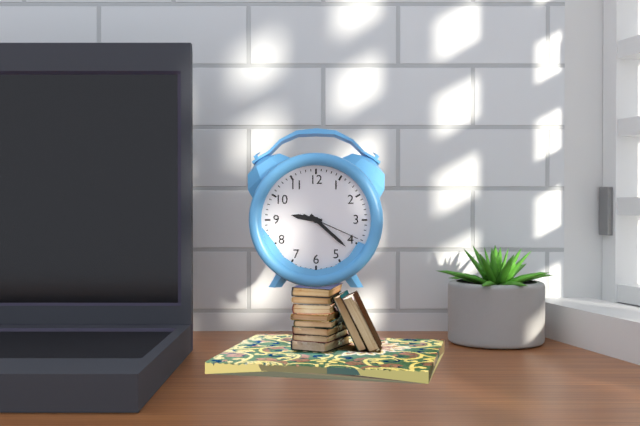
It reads 9,22,19
